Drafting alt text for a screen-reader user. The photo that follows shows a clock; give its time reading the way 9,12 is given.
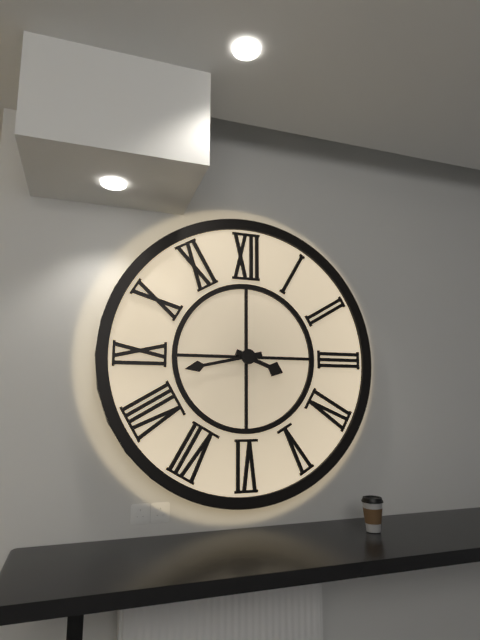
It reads 3,43
